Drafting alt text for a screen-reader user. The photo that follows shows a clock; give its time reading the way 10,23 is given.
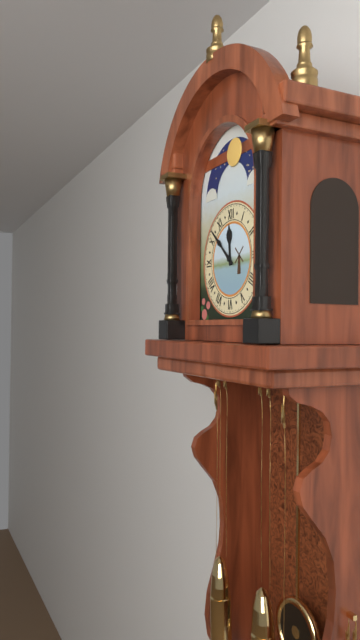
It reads 11,52
